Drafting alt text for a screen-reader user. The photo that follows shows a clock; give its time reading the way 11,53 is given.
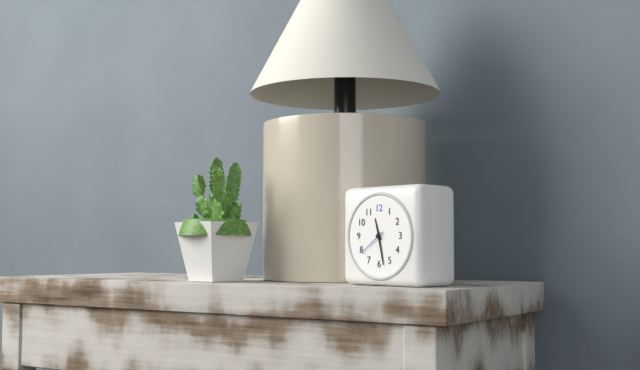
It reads 11,28
